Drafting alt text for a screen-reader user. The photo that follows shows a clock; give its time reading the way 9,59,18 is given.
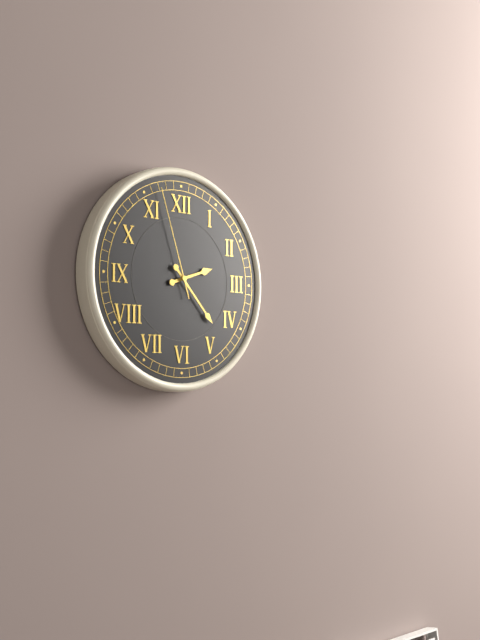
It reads 2,23,57
